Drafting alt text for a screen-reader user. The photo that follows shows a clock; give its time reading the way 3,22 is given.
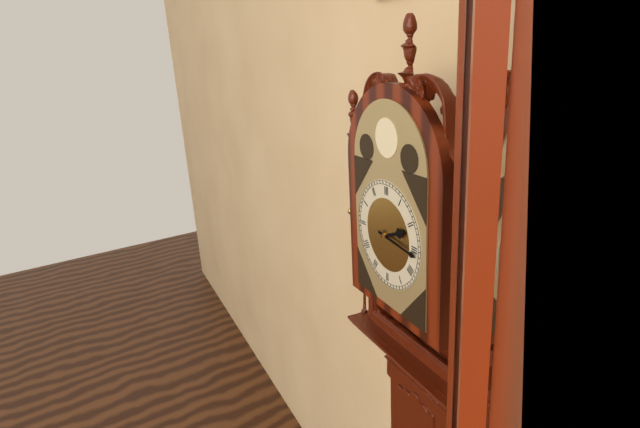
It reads 2,16
